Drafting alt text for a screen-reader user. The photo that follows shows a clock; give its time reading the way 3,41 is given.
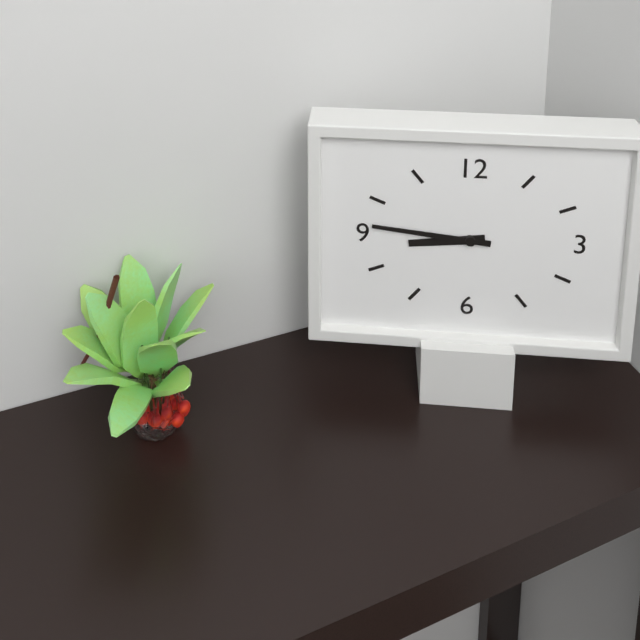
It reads 8,46
